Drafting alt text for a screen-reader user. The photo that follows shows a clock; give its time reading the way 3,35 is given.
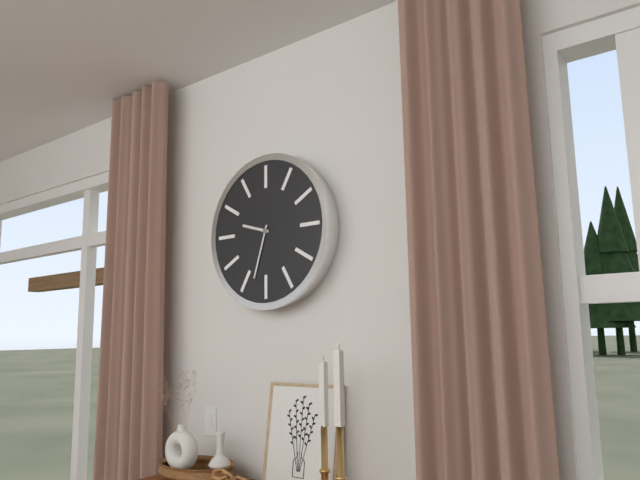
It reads 9,33
